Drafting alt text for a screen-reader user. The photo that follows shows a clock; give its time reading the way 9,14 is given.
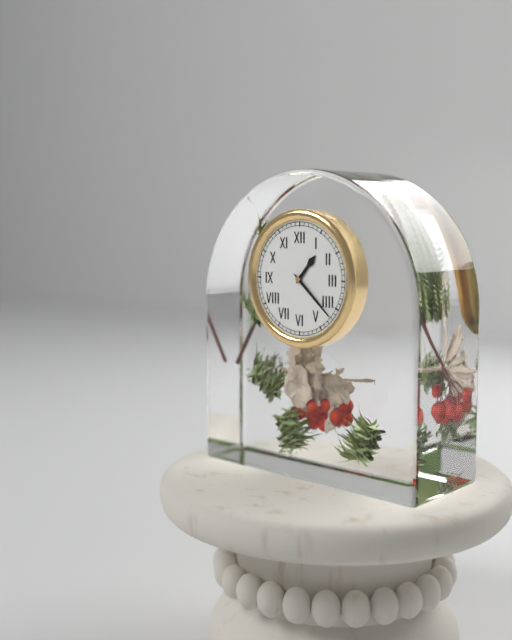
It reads 1,22
